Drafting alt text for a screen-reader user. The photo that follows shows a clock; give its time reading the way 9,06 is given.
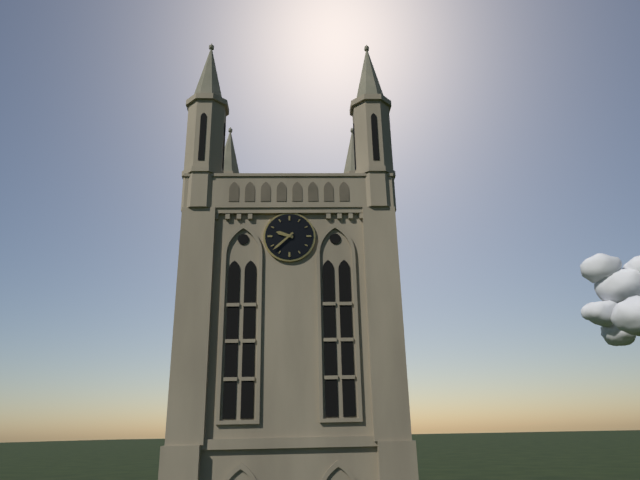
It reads 9,38
